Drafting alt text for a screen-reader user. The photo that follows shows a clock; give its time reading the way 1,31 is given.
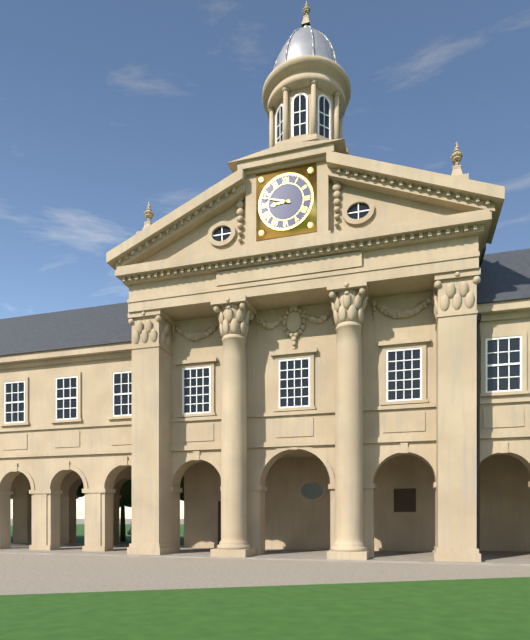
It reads 8,48
